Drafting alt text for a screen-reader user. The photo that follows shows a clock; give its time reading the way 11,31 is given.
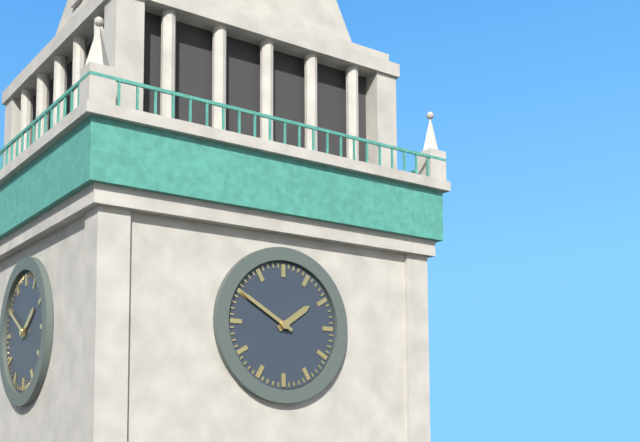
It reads 1,50
